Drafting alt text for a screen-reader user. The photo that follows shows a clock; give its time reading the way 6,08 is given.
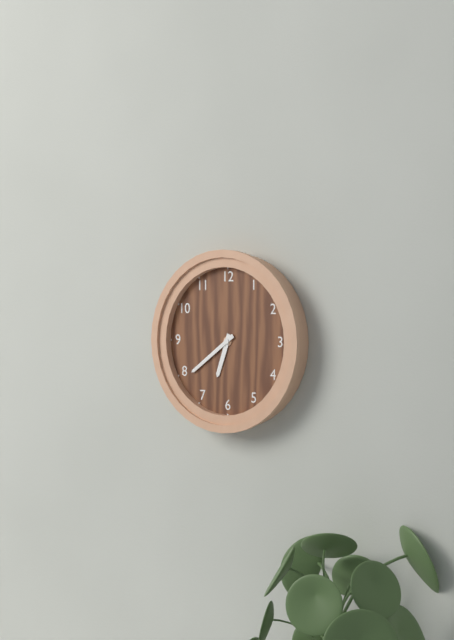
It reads 6,39
